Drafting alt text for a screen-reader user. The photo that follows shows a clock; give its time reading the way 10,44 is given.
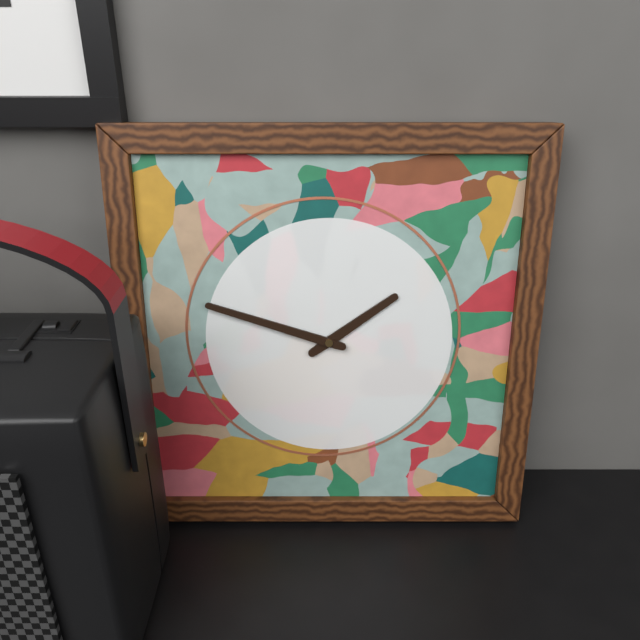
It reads 1,48
